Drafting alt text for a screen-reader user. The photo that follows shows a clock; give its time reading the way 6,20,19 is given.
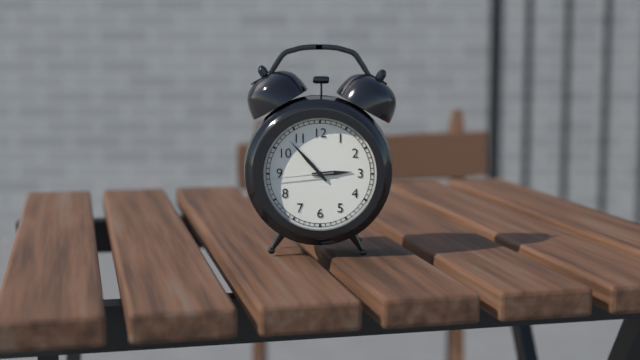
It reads 2,53,44
